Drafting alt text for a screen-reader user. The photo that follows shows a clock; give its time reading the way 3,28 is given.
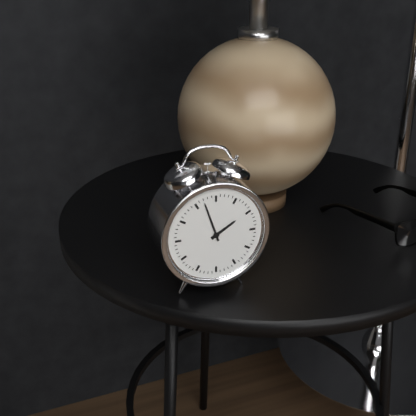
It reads 1,57
